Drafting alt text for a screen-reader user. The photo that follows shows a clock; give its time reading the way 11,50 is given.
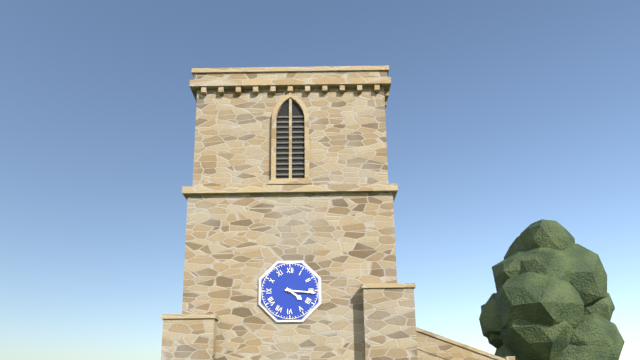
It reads 4,16
